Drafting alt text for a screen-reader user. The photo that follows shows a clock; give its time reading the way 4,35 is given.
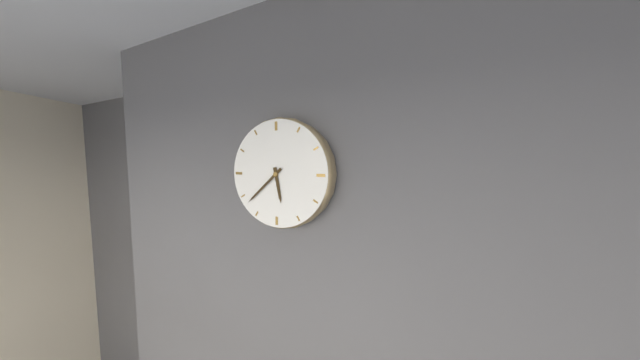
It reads 5,38
